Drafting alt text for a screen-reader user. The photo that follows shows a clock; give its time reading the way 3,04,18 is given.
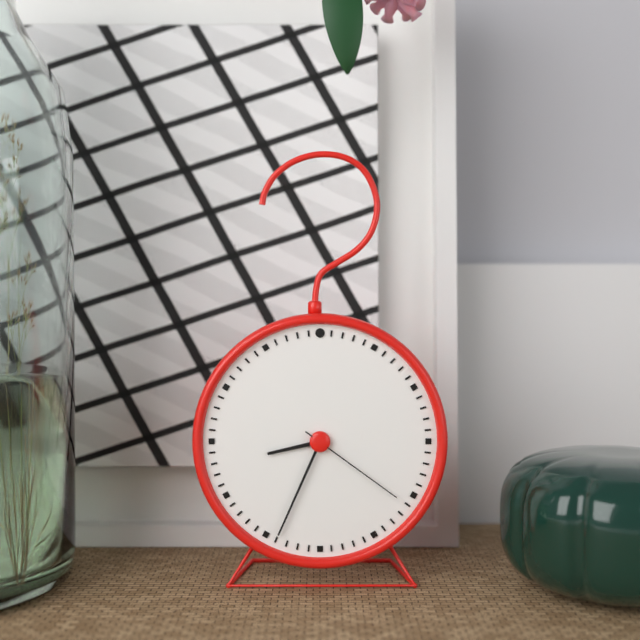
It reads 8,34,21
